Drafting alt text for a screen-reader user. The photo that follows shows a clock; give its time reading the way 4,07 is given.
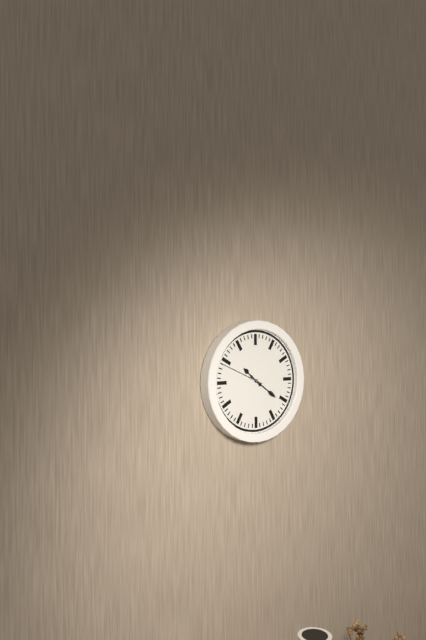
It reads 10,21
